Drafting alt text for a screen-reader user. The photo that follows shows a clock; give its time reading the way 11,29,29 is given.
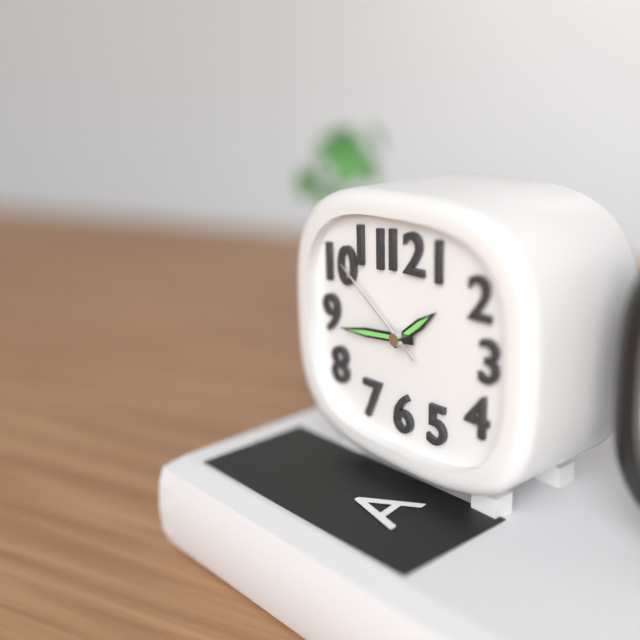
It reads 1,44,51
